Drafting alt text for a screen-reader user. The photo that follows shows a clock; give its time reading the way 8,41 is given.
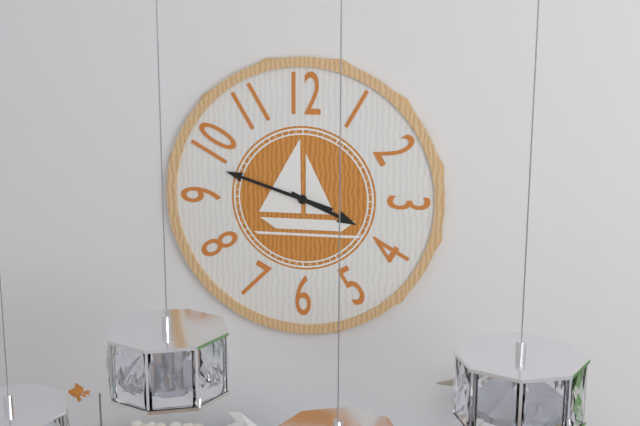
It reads 3,48
